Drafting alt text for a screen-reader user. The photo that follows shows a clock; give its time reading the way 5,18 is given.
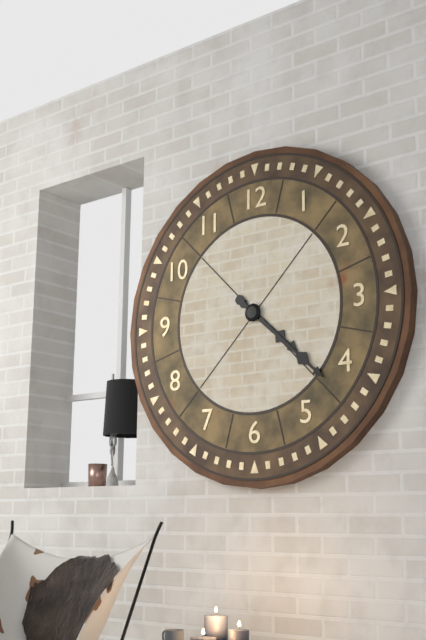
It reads 4,22
